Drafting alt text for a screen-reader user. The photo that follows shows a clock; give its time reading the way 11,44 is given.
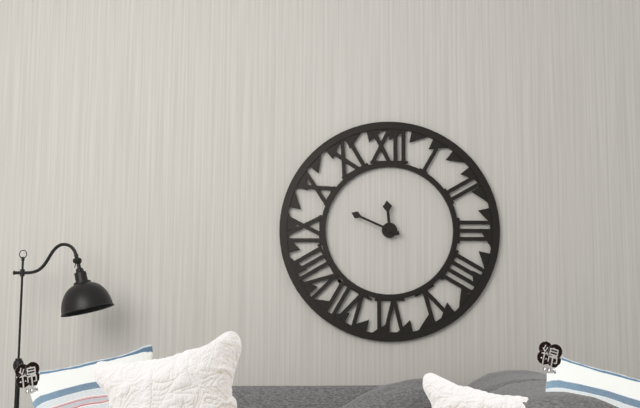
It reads 11,49
